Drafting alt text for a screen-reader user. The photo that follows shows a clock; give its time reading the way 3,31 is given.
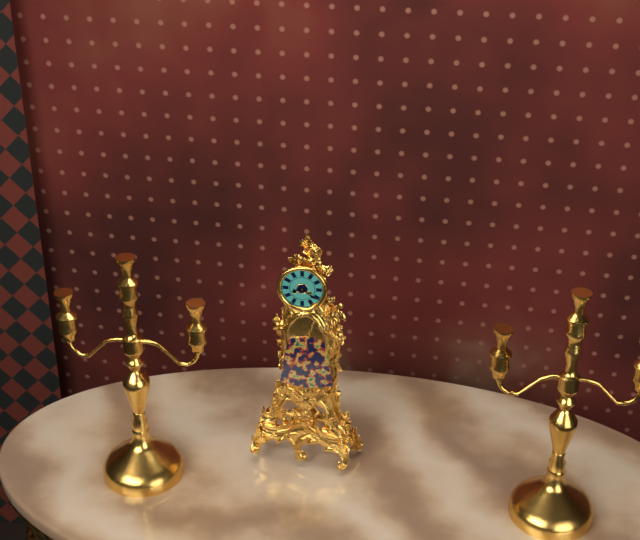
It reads 8,21
